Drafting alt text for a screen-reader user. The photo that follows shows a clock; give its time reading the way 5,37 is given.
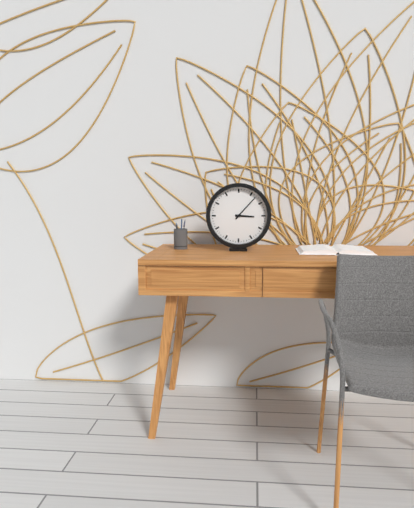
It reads 3,07
